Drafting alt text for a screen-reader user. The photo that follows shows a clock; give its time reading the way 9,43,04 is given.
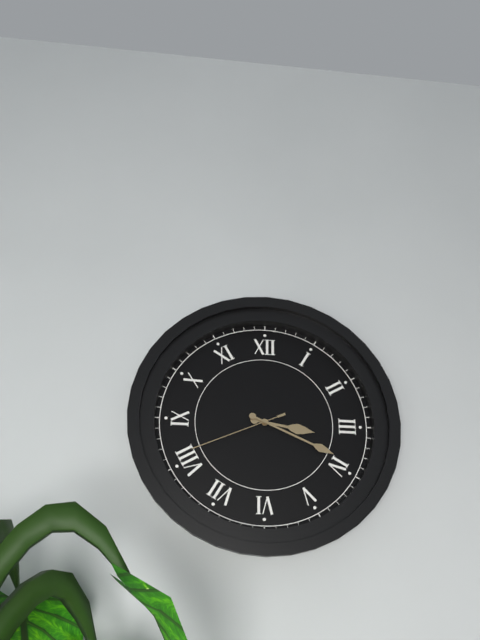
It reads 3,19,41
